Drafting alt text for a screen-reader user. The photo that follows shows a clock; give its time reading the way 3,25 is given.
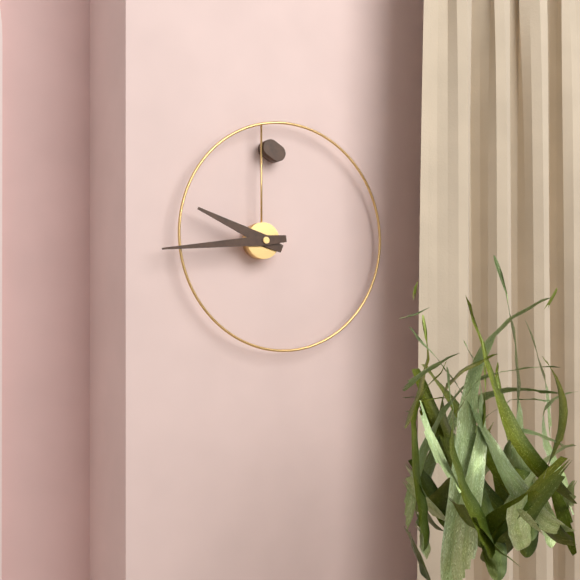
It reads 9,44
